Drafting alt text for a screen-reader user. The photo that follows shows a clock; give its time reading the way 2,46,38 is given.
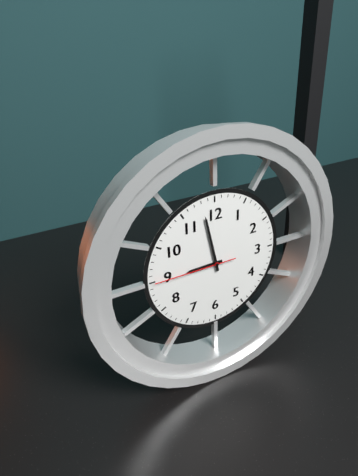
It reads 8,58,45
